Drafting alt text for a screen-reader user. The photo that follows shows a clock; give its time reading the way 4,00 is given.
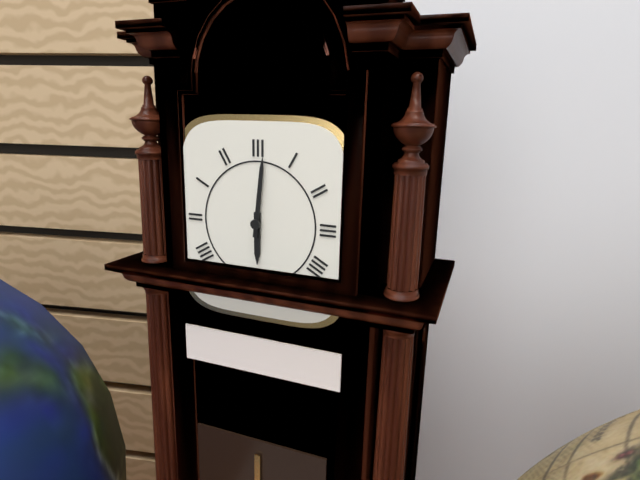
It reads 6,01
